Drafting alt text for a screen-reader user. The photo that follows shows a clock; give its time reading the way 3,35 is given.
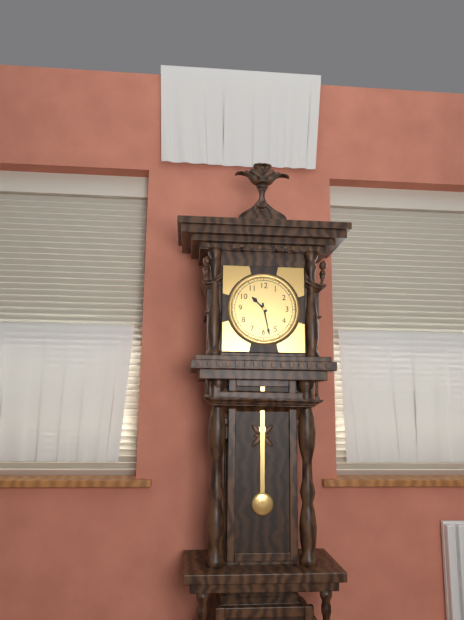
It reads 10,28
